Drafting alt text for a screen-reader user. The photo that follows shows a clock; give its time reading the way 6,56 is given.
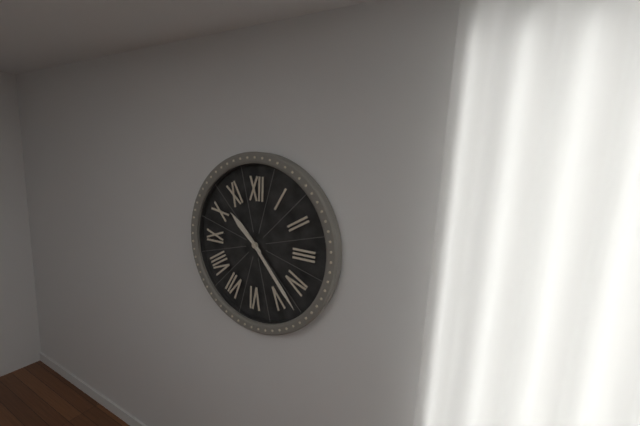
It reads 10,23
